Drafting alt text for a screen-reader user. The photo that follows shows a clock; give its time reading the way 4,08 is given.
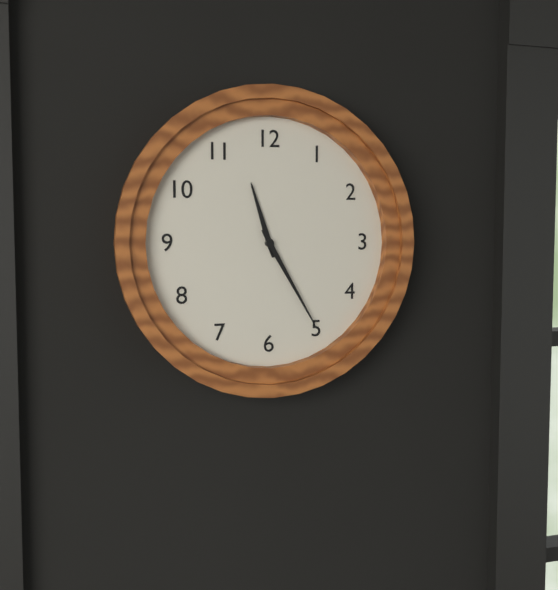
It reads 11,25
